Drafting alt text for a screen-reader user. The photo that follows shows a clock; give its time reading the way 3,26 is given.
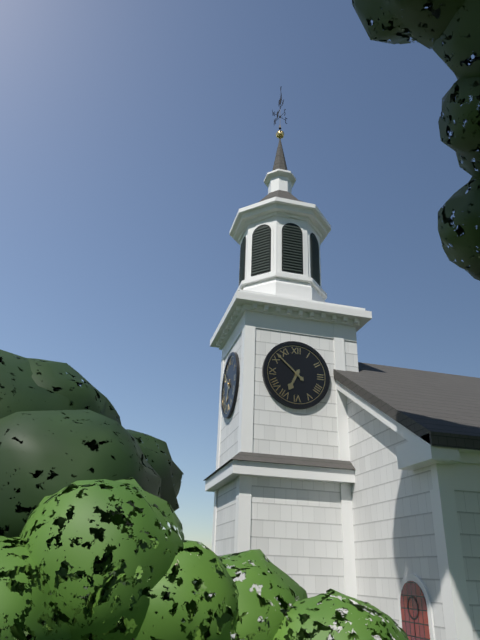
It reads 6,52
